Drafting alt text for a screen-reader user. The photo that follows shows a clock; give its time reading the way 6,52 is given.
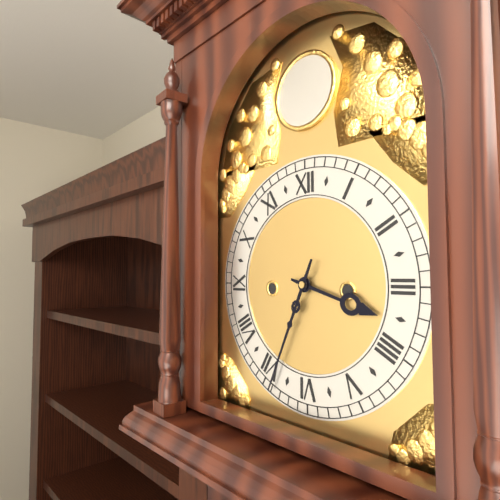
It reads 3,34
